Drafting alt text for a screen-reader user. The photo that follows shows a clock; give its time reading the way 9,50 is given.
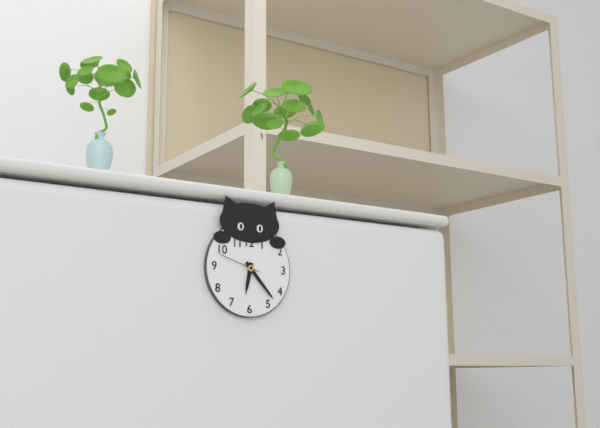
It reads 6,23
